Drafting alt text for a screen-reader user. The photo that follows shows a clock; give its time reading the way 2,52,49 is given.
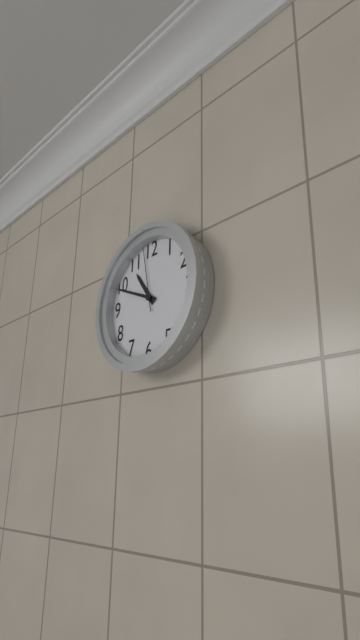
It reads 10,49,58
